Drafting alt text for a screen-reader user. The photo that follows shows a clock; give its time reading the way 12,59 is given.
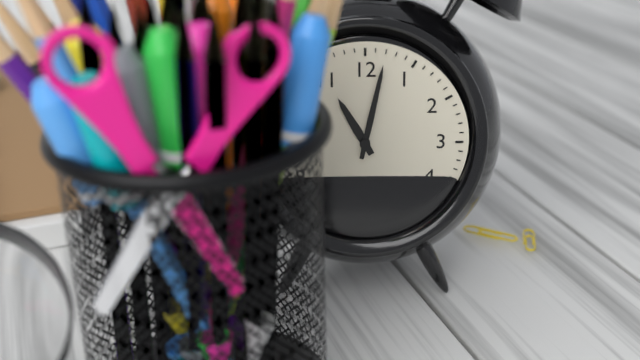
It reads 11,02
